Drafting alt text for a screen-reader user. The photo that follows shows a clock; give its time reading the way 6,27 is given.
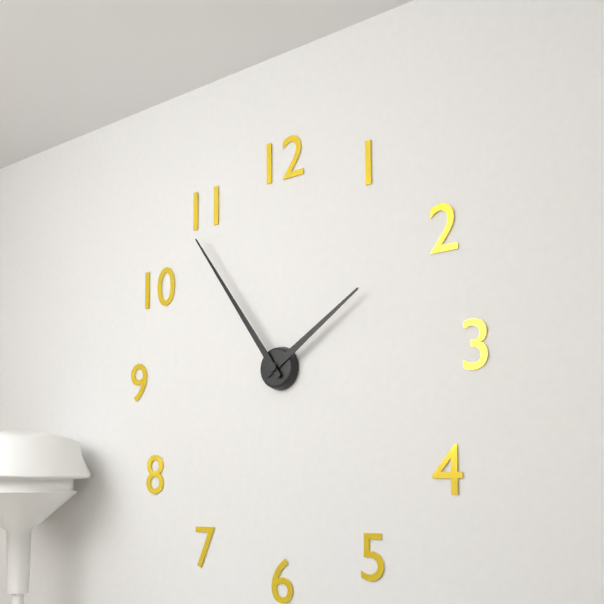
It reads 1,54
